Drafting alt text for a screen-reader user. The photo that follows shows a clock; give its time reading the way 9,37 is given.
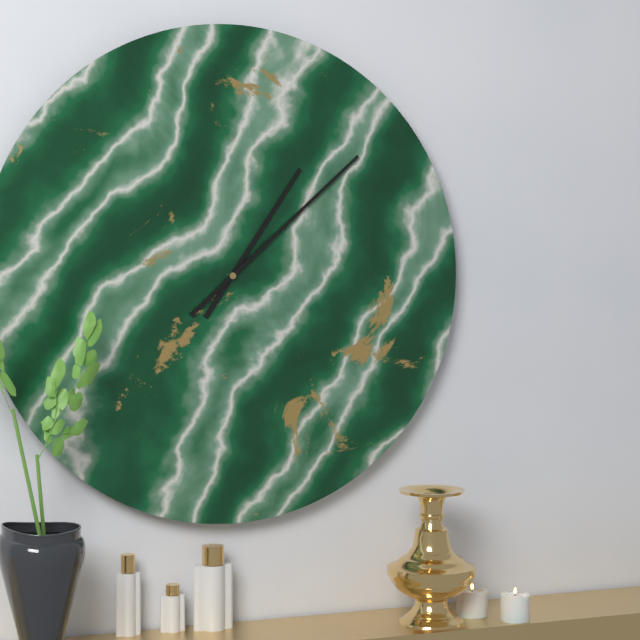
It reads 1,08
